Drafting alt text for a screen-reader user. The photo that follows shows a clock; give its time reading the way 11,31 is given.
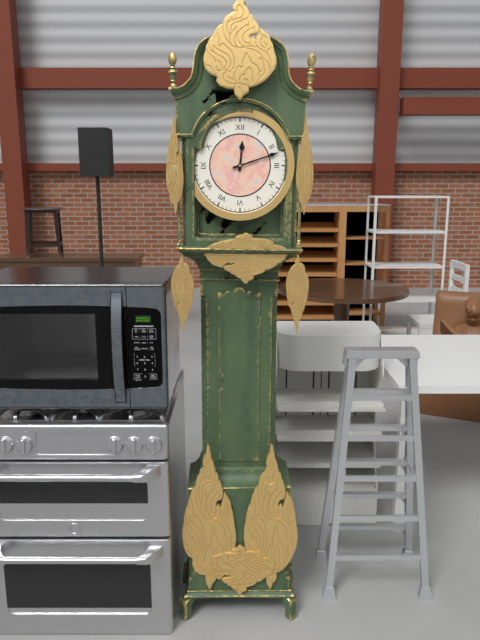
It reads 12,12
